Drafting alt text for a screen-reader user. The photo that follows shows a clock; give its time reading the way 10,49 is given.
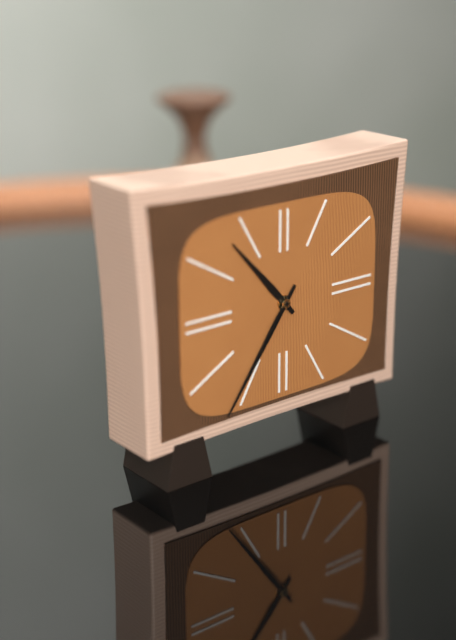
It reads 10,36
